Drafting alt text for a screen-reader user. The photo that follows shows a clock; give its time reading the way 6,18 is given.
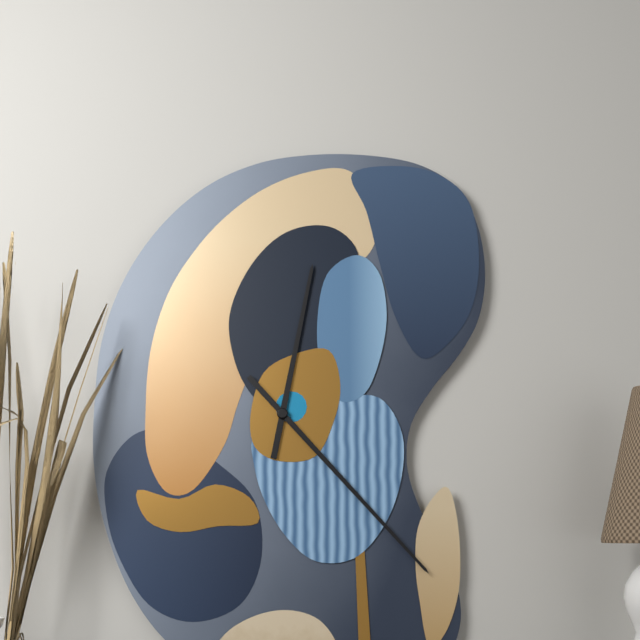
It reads 12,23
